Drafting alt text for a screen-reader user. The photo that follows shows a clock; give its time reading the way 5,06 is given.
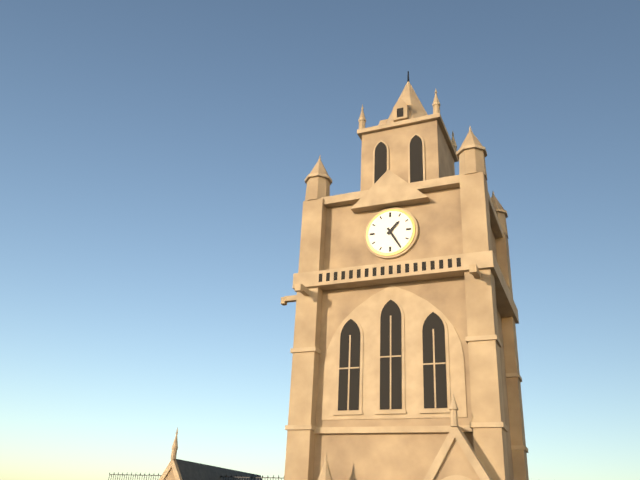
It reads 1,25
